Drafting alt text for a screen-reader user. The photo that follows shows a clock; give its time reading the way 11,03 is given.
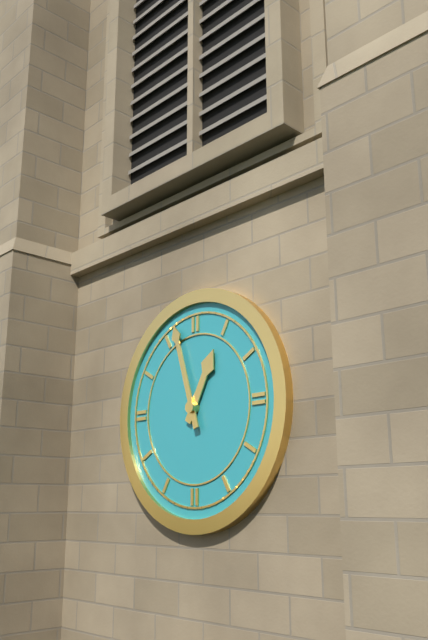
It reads 12,57
